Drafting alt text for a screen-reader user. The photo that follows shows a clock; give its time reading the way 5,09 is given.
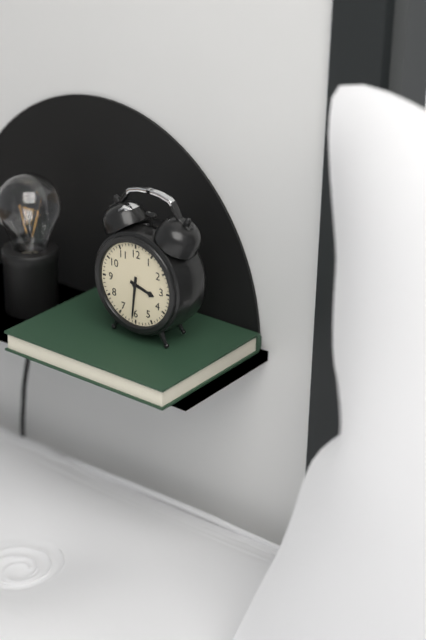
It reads 3,31
